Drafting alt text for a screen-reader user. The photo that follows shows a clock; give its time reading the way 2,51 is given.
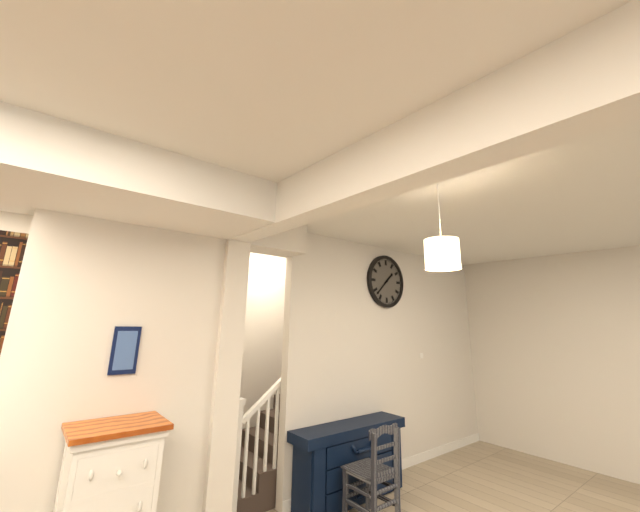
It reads 1,38
